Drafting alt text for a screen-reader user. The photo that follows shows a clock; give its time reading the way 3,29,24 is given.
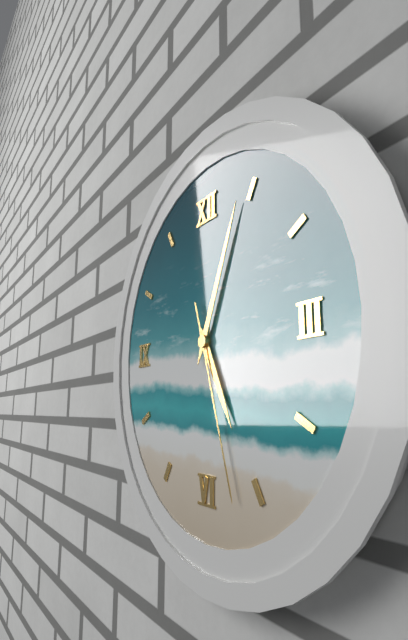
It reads 5,04,27
